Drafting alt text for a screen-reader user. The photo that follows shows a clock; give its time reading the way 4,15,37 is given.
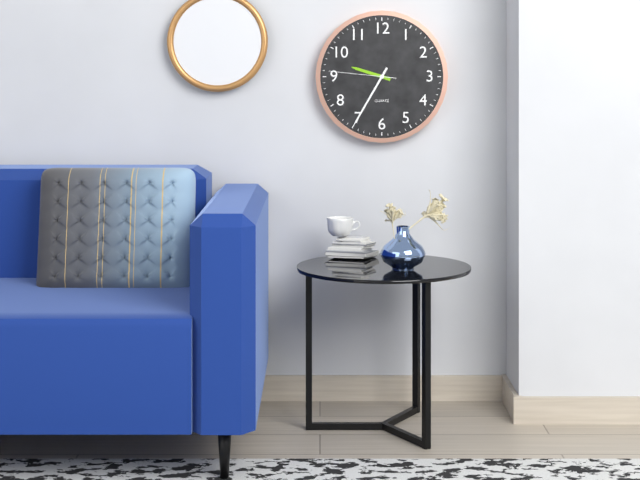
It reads 9,35,46
